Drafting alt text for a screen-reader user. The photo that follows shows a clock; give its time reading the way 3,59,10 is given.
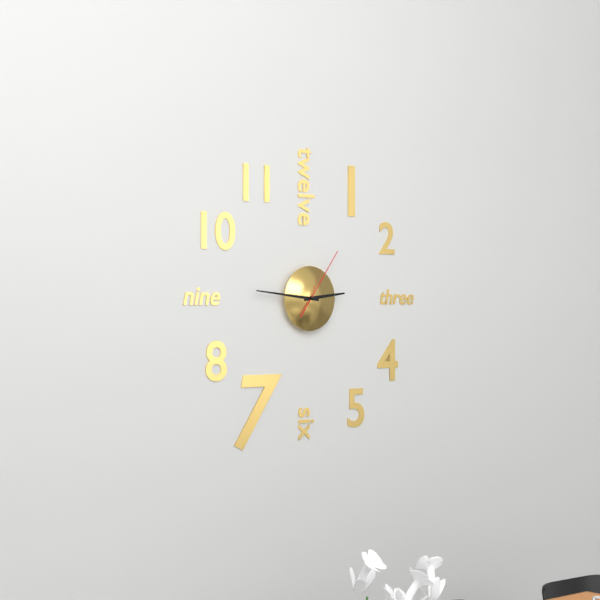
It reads 2,46,06
